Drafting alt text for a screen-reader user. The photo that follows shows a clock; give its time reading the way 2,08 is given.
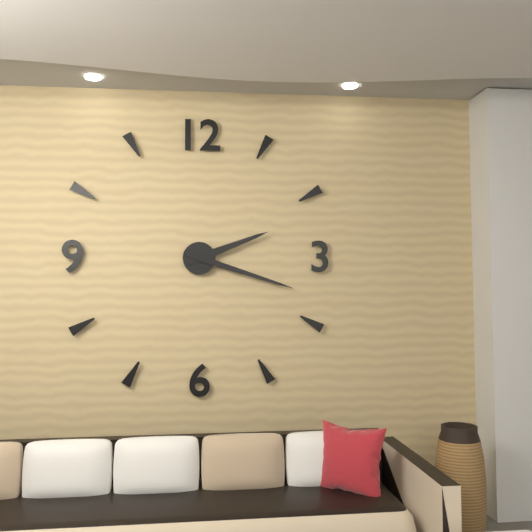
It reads 2,18
